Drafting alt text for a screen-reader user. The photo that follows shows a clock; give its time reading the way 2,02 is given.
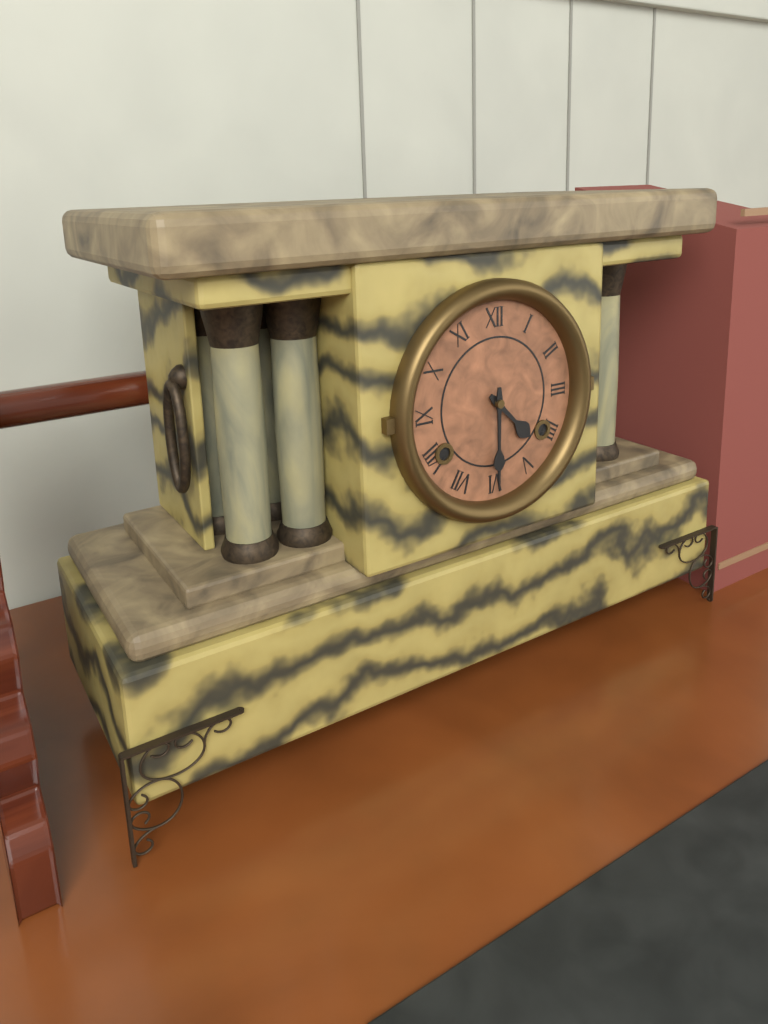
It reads 4,30
